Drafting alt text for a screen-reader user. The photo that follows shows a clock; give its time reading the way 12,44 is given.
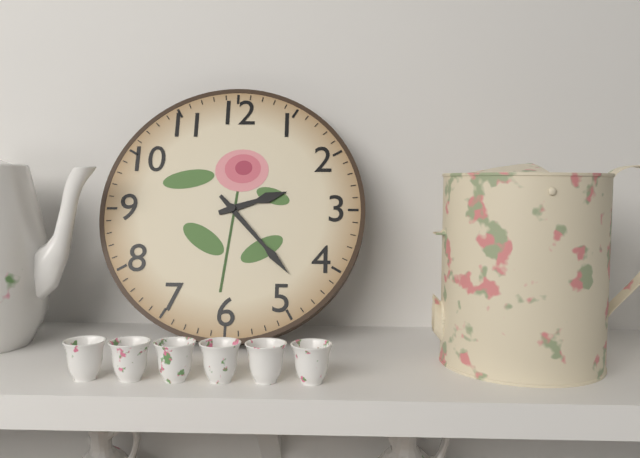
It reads 2,23
